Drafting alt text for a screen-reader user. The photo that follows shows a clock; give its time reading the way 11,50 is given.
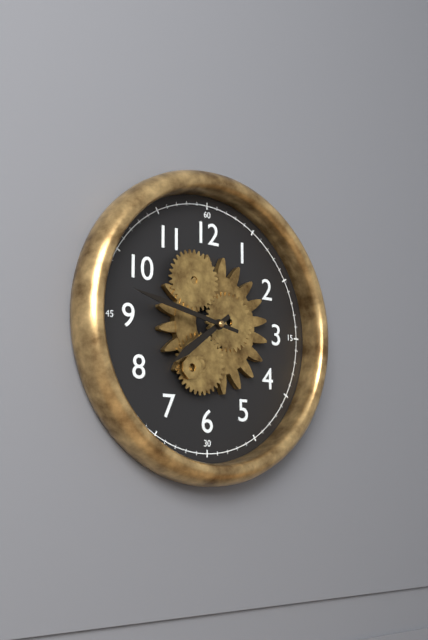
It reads 7,47
